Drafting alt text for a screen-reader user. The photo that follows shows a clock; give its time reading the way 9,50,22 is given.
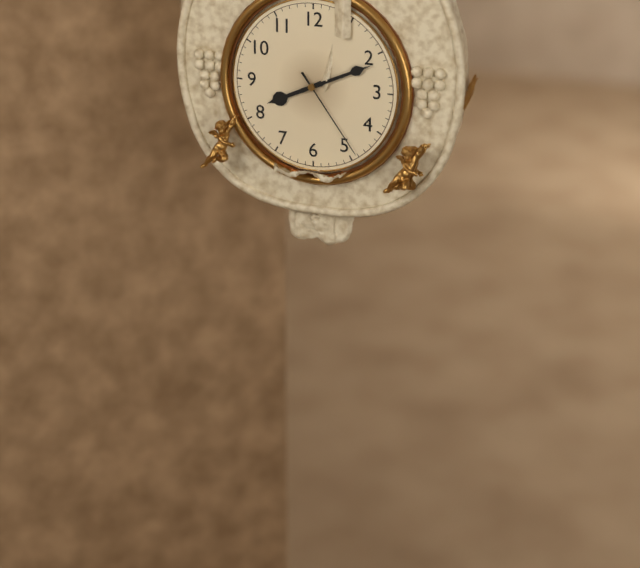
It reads 8,11,24
